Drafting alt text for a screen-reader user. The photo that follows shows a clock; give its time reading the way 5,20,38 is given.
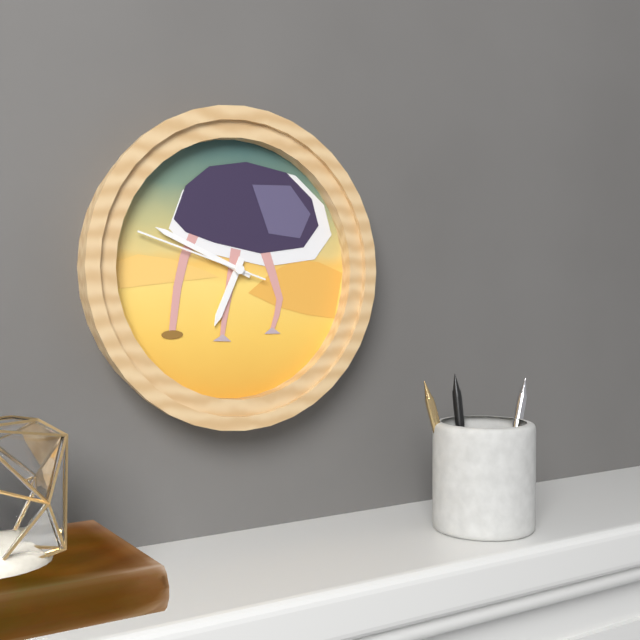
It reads 6,49,48
